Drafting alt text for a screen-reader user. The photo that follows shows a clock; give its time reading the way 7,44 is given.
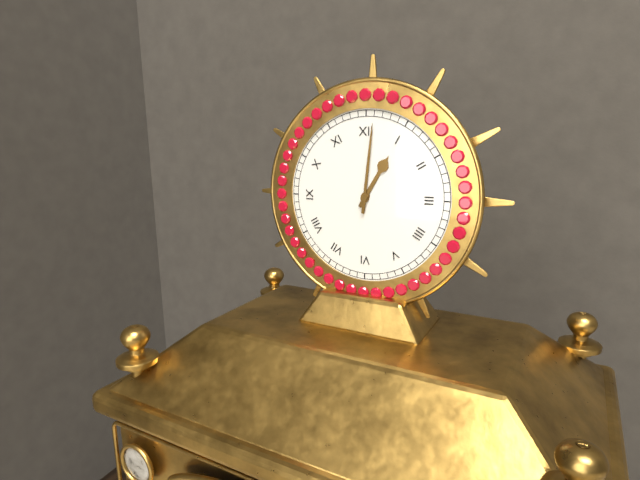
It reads 1,01
